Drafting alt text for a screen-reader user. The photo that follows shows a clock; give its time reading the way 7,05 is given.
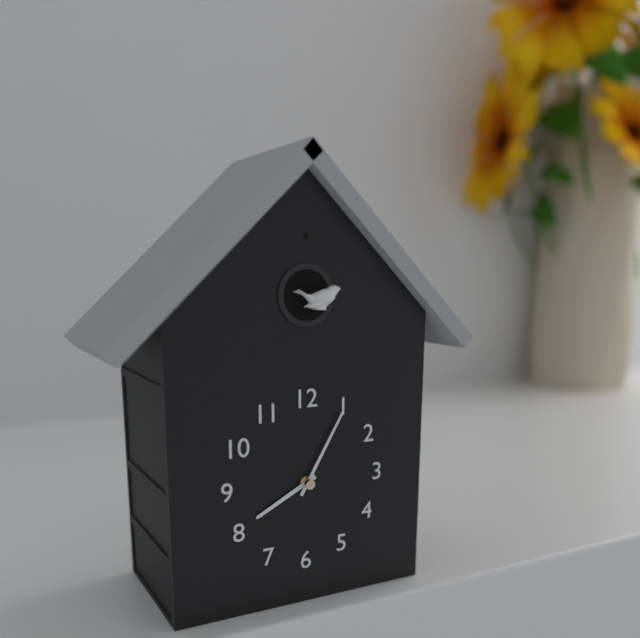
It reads 8,05
